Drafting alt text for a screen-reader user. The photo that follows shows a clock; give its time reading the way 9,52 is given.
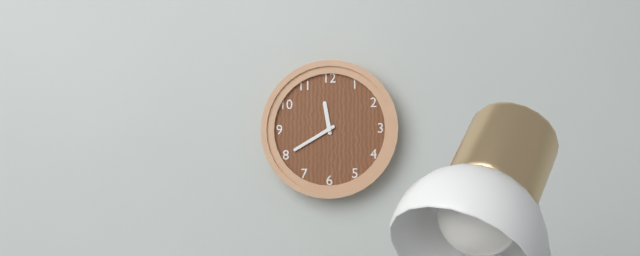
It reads 11,40
